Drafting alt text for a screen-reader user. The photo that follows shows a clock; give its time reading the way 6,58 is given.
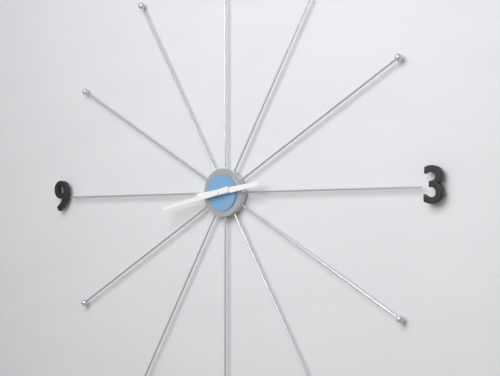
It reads 2,43
